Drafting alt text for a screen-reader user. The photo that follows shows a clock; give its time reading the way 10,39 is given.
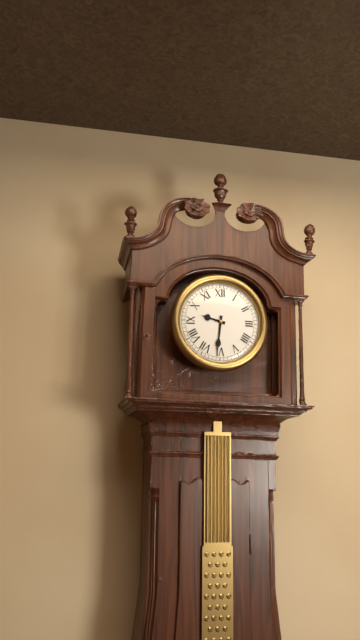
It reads 9,31
